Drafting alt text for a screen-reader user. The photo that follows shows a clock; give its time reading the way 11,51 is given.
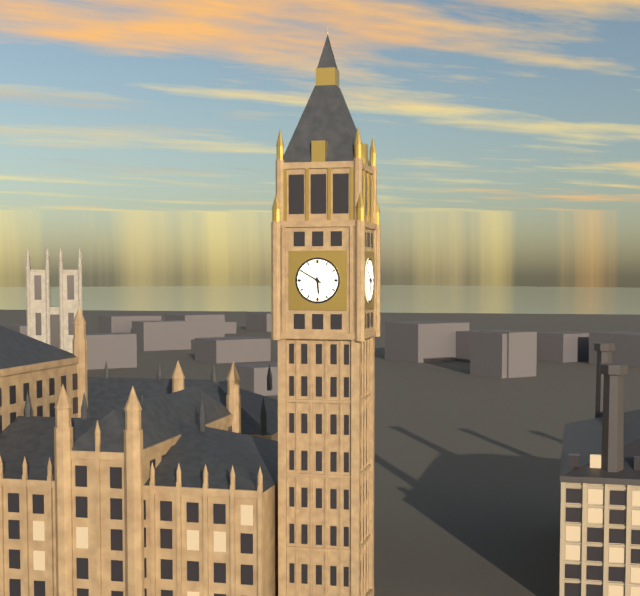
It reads 5,50
